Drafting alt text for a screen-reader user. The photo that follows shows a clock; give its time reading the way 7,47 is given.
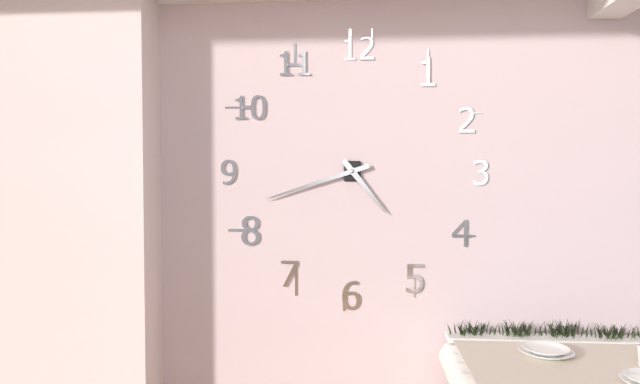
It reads 4,42
